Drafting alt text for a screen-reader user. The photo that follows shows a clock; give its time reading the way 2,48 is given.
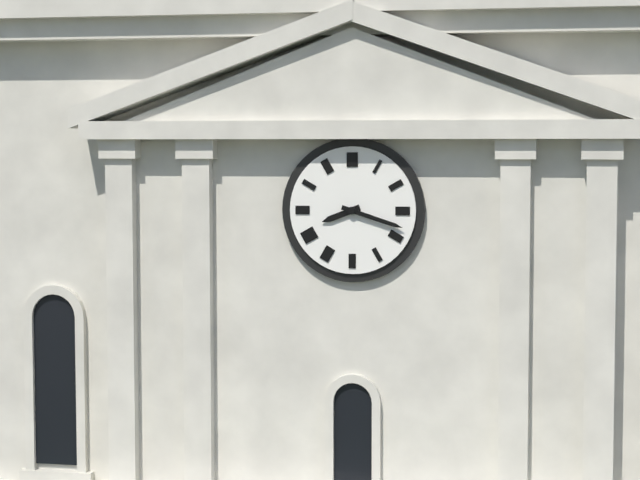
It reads 8,18
